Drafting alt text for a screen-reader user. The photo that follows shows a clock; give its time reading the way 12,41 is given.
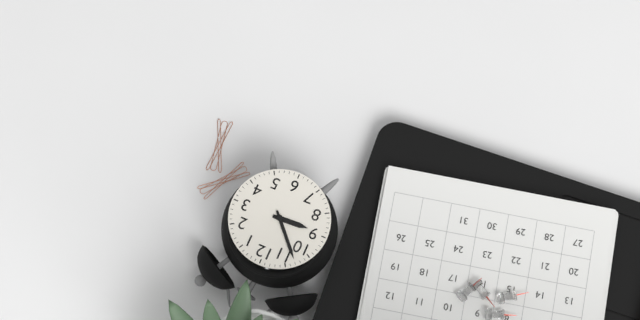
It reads 8,53
